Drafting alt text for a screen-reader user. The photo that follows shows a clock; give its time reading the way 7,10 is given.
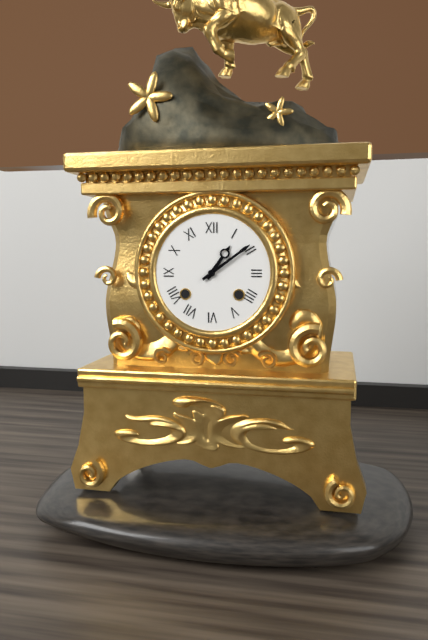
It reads 1,09
